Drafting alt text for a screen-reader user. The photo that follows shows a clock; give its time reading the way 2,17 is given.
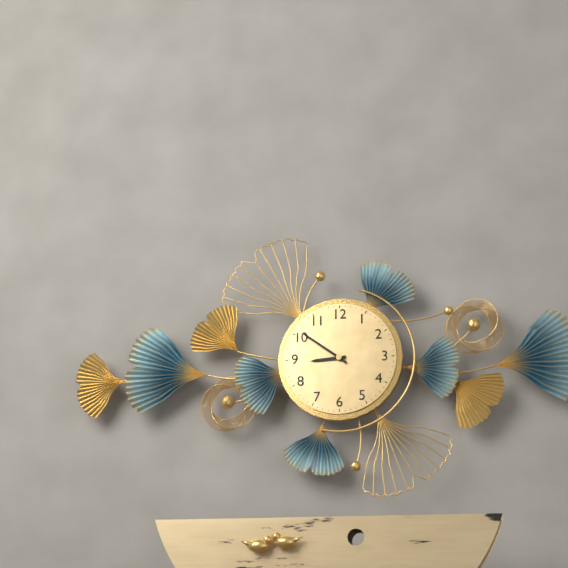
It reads 8,51
